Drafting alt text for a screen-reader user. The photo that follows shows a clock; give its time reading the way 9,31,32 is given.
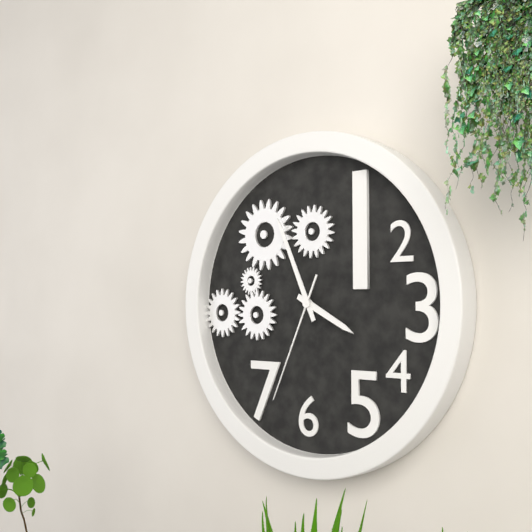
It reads 3,56,34
